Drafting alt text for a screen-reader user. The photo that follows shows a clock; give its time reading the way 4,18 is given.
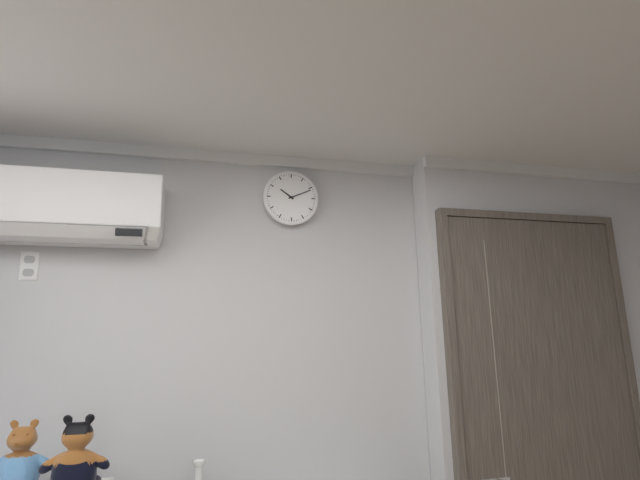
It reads 10,11
